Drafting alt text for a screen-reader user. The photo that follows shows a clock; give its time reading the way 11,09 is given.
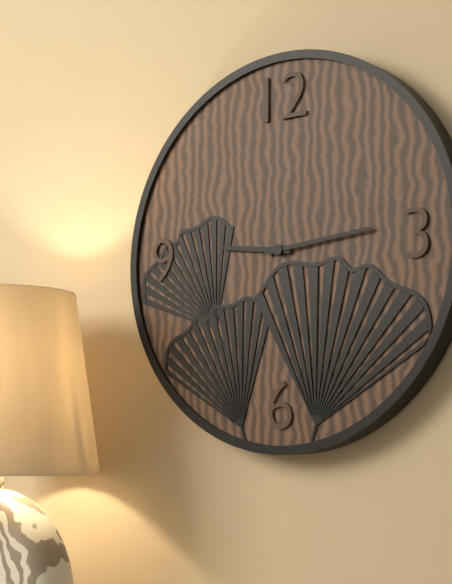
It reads 9,14
